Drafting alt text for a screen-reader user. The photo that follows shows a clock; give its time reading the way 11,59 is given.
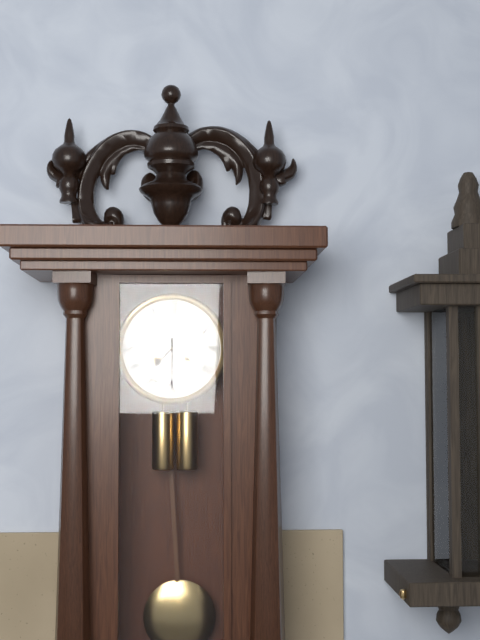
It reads 7,30
